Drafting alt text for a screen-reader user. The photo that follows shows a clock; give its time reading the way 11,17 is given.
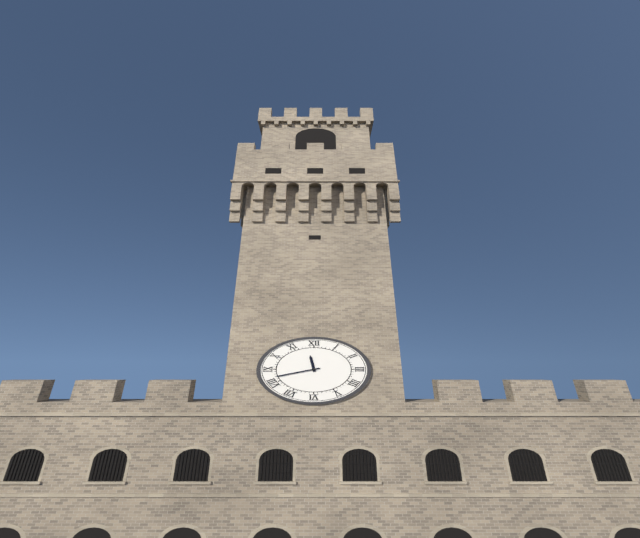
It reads 11,42
